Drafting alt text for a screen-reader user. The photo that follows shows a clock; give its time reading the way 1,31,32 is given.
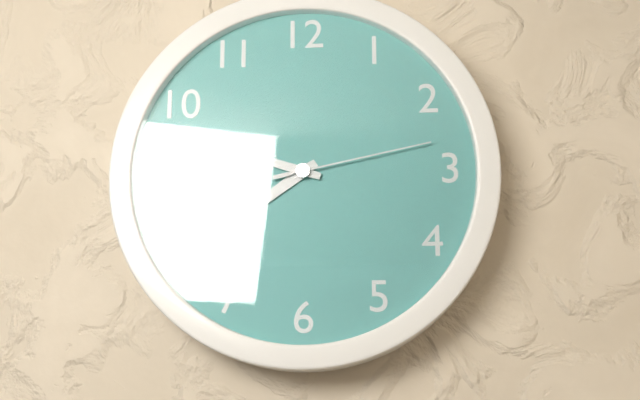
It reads 7,48,13
